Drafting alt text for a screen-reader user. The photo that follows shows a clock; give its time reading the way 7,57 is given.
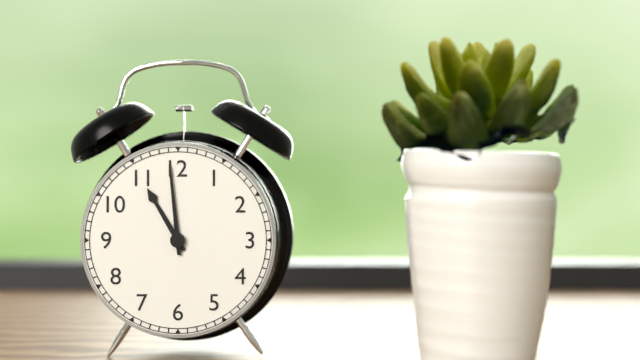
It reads 10,59
